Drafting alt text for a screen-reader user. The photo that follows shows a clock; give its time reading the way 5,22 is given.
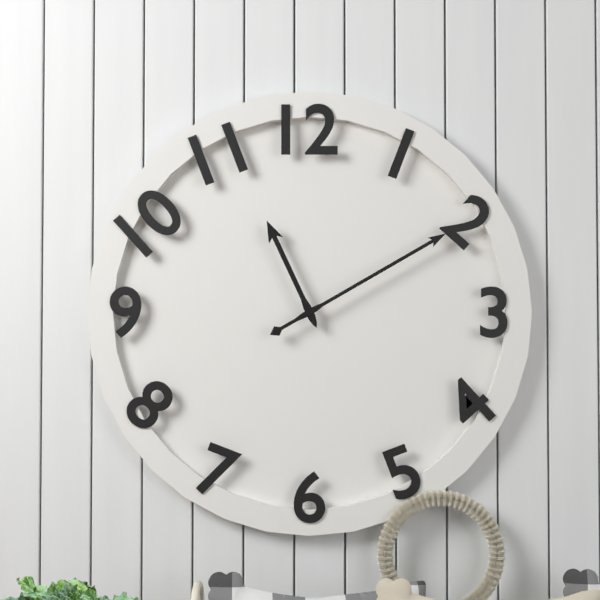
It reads 11,10
